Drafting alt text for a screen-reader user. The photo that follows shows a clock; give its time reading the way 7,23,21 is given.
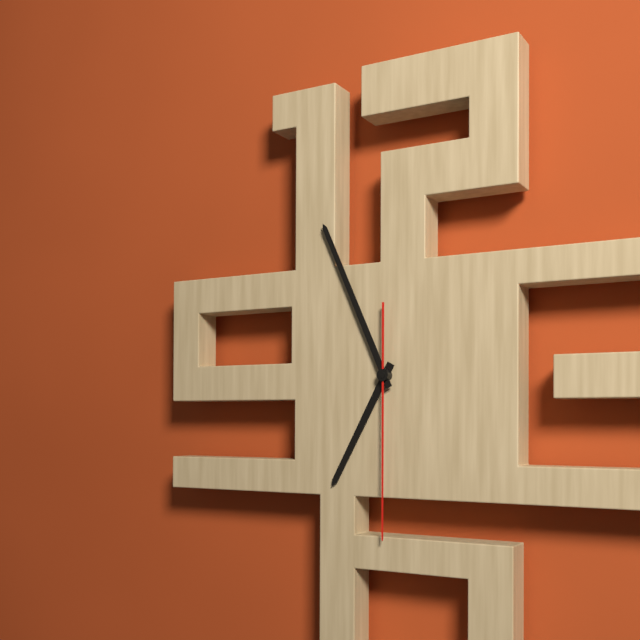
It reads 6,56,30
